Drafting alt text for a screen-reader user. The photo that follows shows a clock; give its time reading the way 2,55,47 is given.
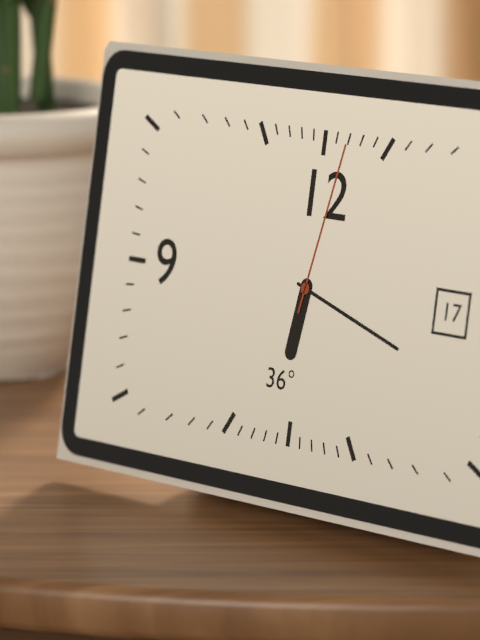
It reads 6,18,02
